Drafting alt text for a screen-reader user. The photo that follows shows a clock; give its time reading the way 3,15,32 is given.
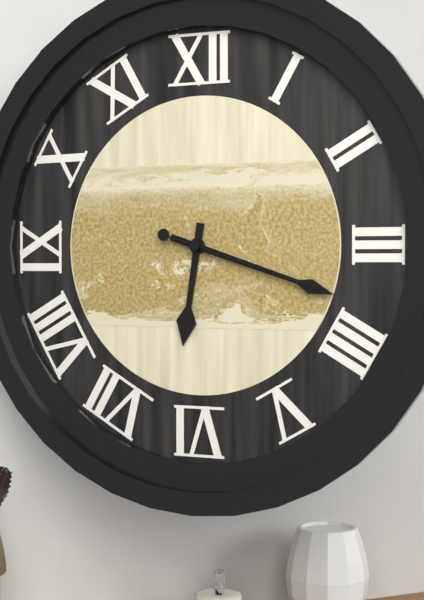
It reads 6,18,18
